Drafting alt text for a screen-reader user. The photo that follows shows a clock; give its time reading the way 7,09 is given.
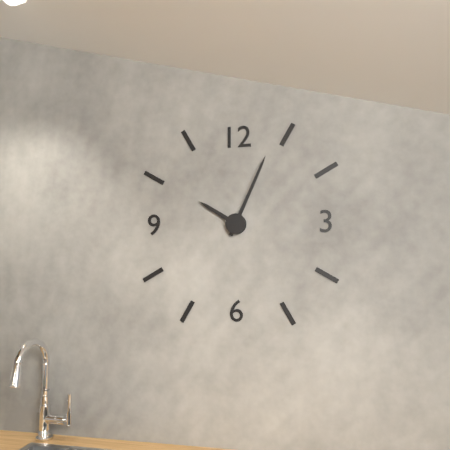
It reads 10,04
